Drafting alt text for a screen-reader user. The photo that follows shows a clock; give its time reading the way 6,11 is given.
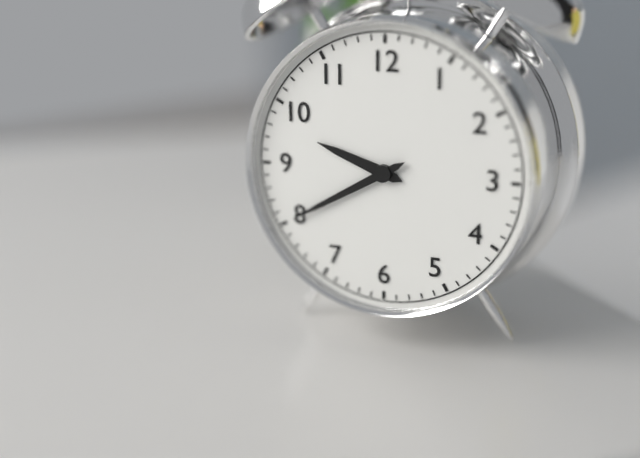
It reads 9,40
